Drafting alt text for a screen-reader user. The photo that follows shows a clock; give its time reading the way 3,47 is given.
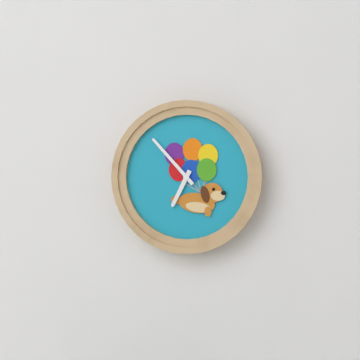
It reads 6,53
